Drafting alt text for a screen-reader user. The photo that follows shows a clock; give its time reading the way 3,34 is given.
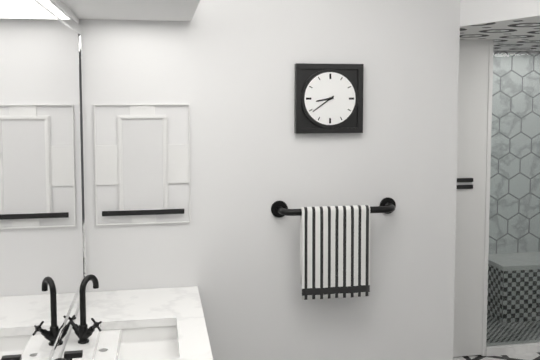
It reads 8,39
